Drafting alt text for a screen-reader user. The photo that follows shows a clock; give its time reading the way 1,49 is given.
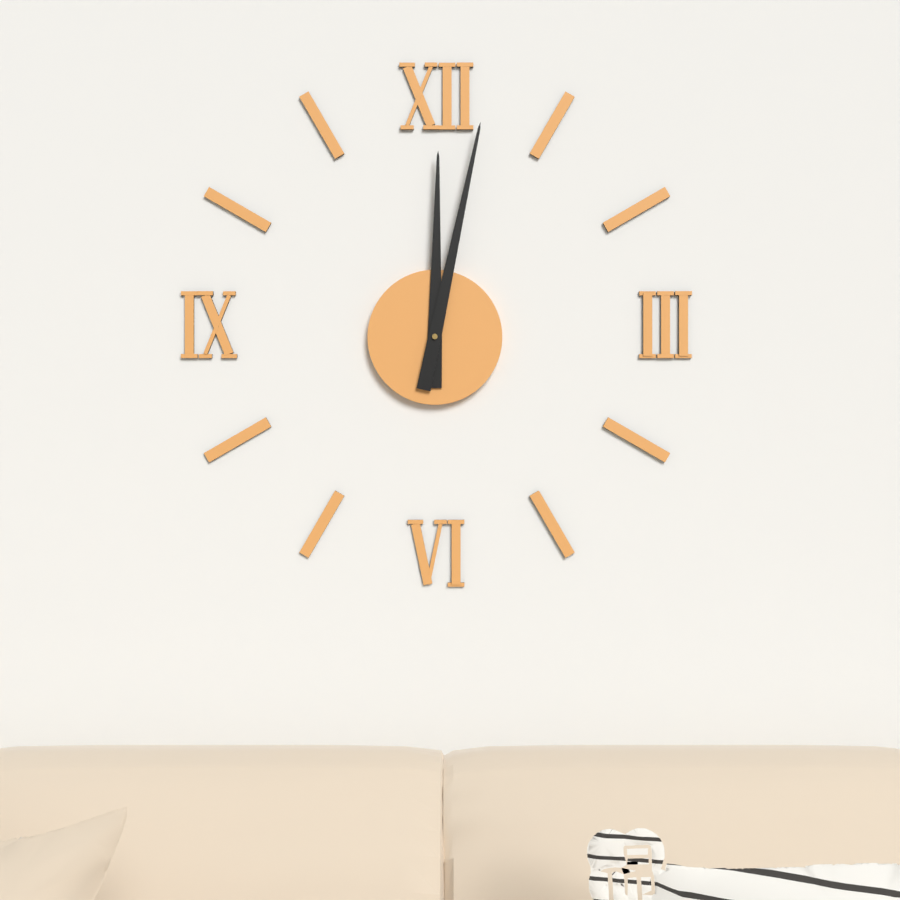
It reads 12,02
